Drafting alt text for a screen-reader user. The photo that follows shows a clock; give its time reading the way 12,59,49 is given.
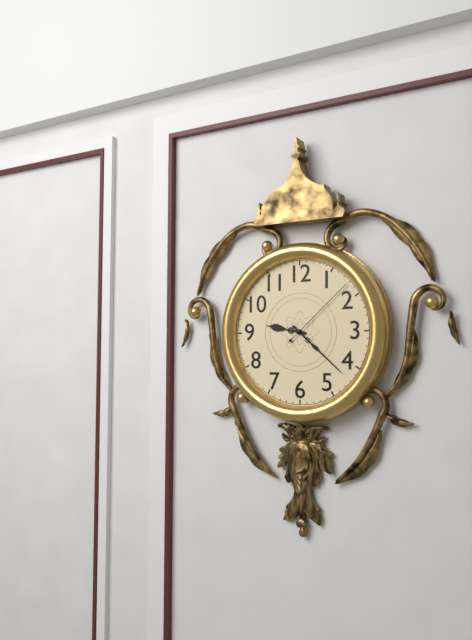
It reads 9,22,08
